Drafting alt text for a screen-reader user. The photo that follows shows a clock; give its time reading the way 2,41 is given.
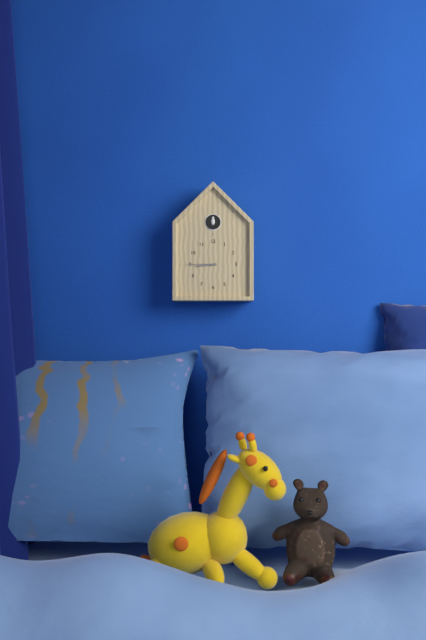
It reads 8,45
